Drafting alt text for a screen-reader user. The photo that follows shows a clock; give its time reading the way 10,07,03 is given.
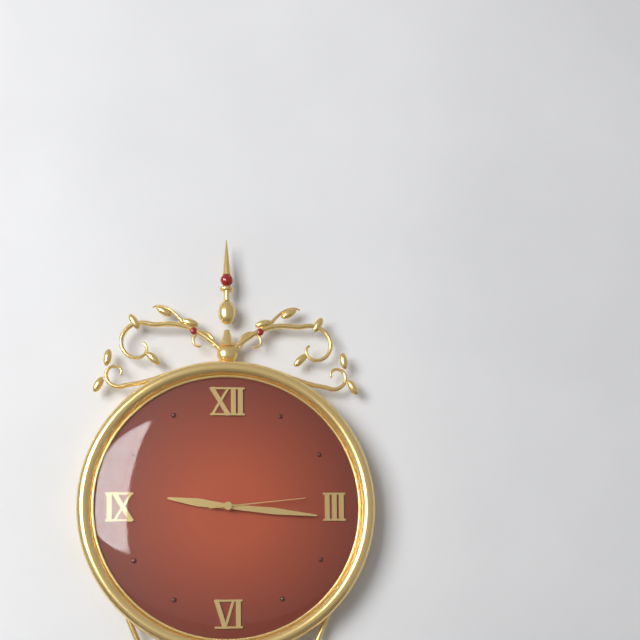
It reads 9,16,14
